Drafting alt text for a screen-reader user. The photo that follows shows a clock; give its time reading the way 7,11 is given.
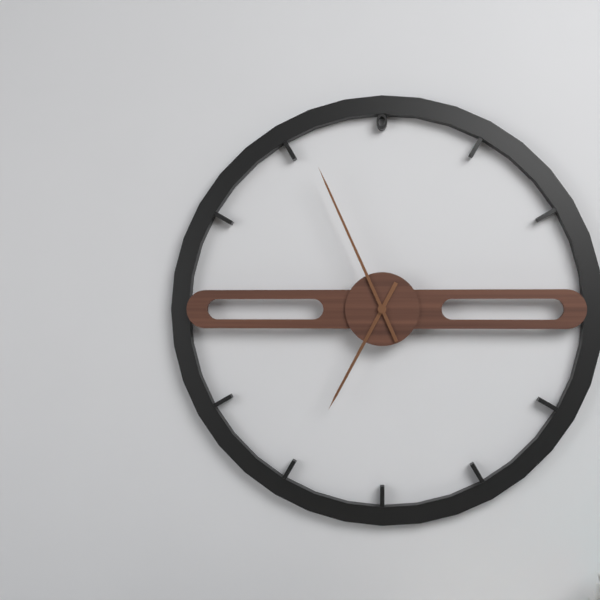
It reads 6,56
